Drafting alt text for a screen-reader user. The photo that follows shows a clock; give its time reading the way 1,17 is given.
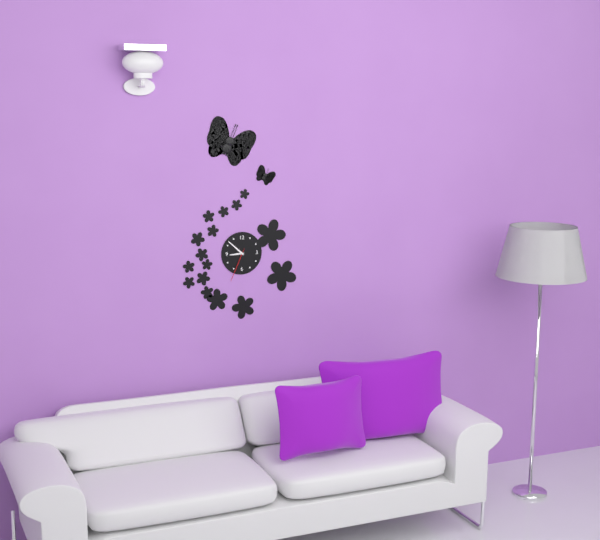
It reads 8,52
